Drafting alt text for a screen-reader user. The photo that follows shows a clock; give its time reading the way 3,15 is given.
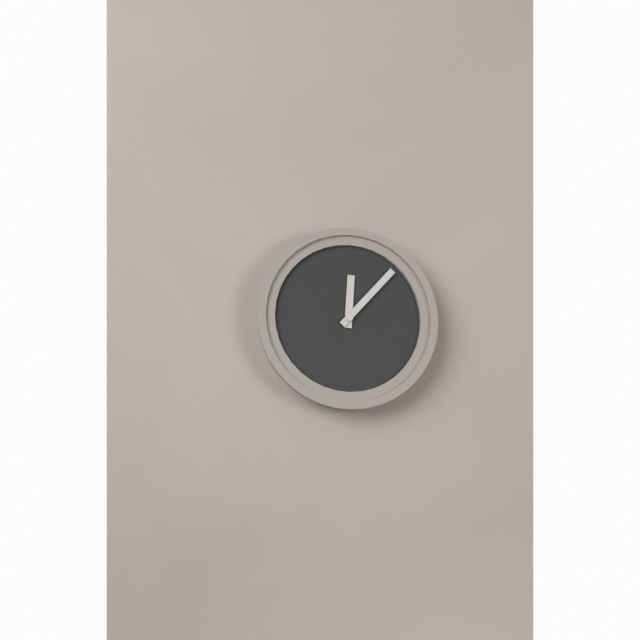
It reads 12,07
